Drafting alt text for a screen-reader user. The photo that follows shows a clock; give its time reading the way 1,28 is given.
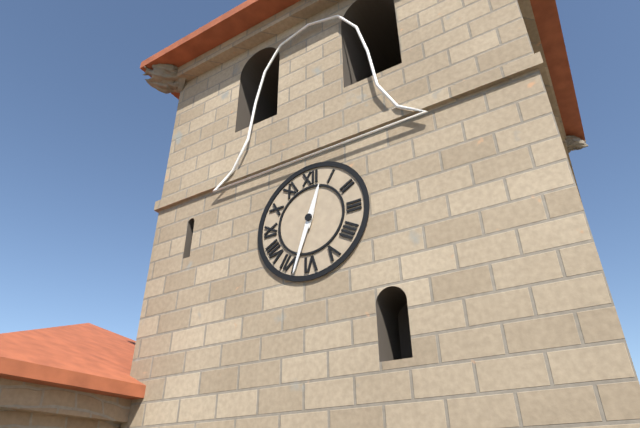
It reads 12,33
